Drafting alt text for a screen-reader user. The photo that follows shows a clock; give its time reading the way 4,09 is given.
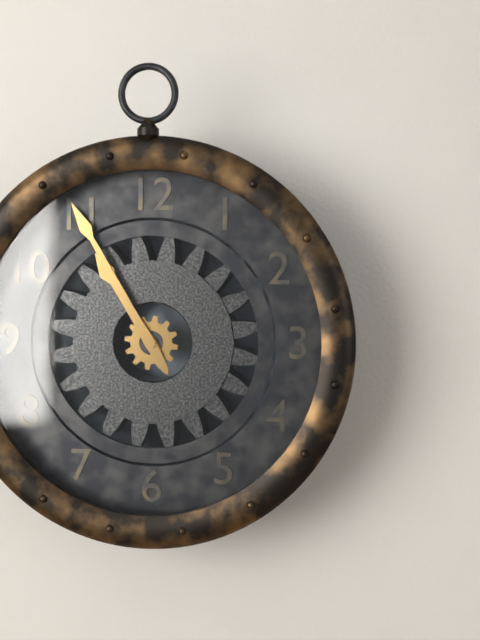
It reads 10,55
